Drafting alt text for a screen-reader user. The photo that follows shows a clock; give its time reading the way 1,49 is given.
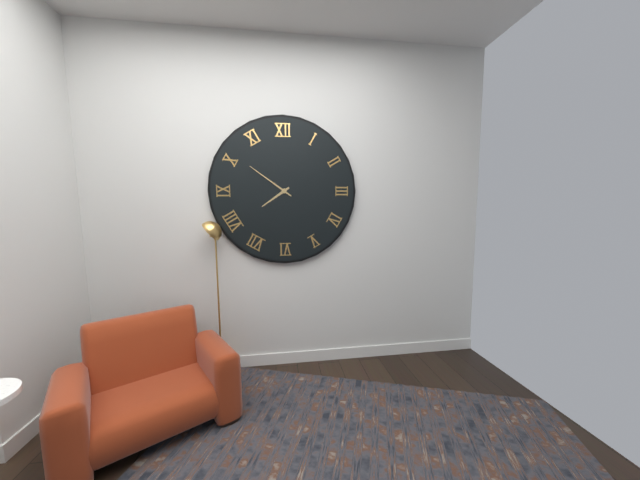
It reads 7,51
